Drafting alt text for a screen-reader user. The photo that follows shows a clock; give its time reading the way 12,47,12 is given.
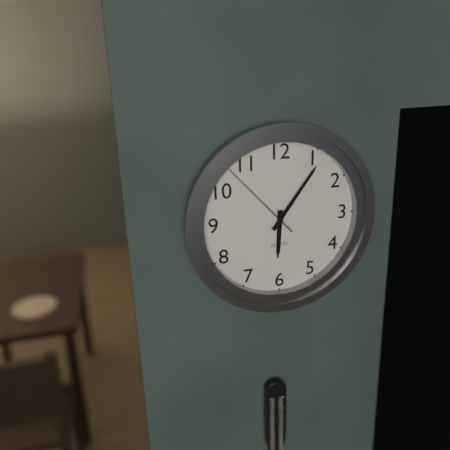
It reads 6,06,53
